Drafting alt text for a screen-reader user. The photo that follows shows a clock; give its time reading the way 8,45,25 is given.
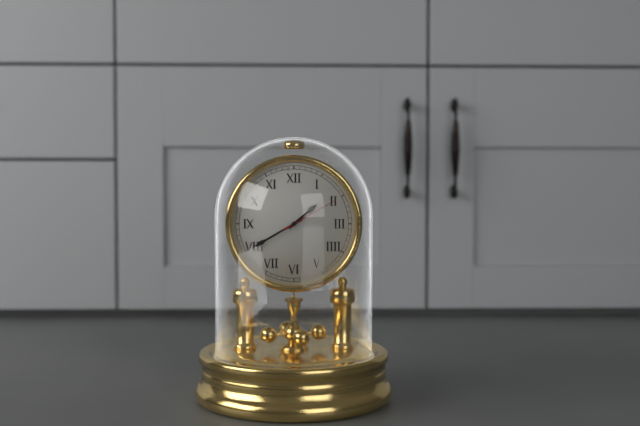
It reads 1,40,10
